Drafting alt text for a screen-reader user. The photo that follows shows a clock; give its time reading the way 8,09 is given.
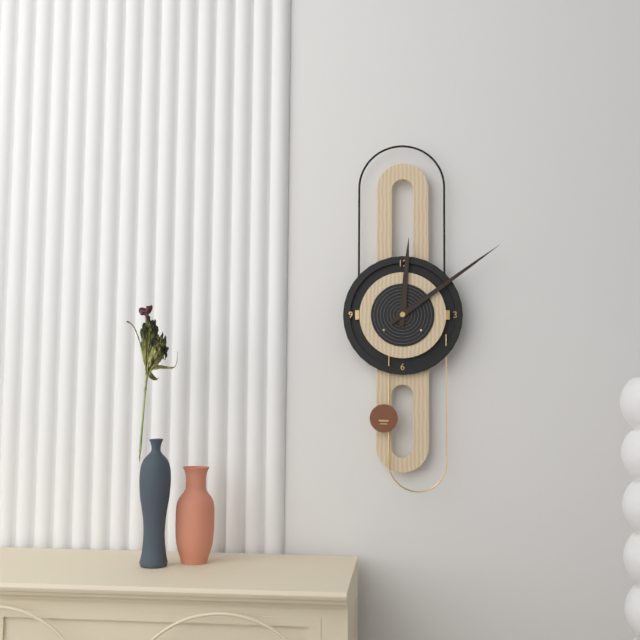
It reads 12,09
